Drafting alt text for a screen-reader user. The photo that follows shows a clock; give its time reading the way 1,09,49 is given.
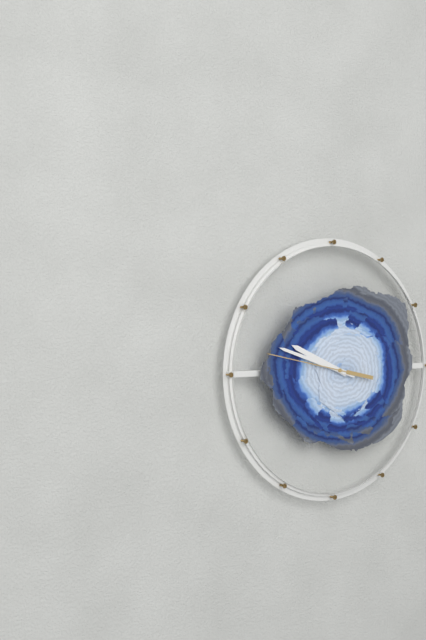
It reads 9,48,47
